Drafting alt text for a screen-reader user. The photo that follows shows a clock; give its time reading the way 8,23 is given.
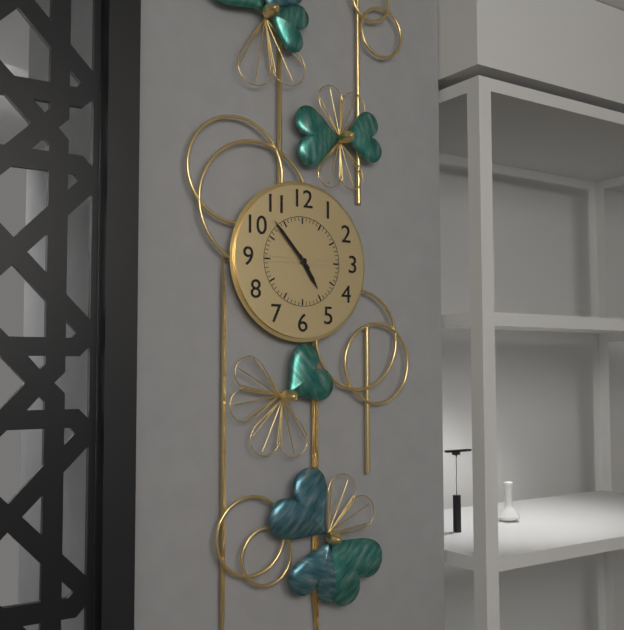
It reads 4,53
